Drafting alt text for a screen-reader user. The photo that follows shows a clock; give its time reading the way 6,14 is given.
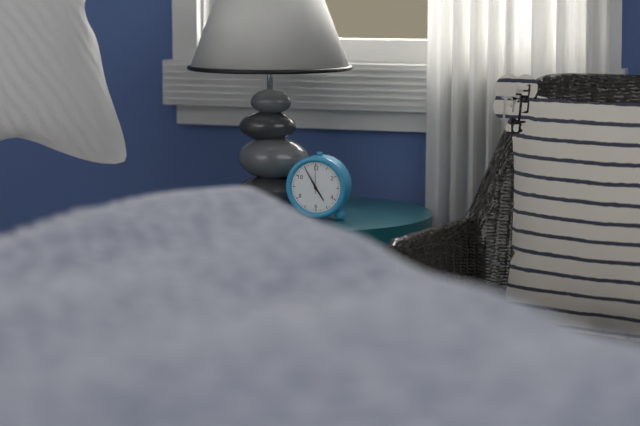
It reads 4,55
